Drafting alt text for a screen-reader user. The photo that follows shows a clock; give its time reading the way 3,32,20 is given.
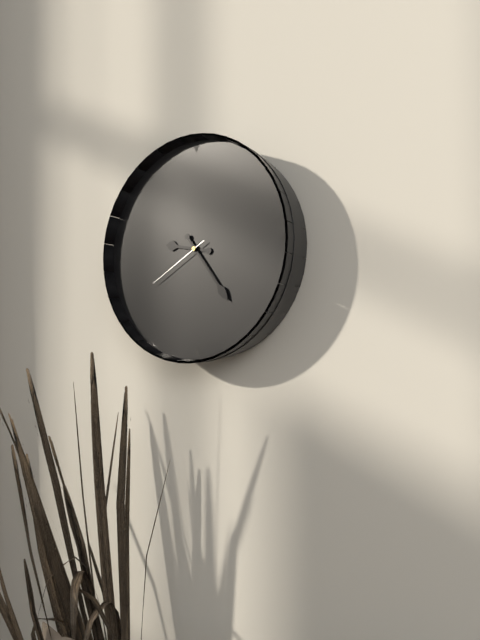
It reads 9,24,40
